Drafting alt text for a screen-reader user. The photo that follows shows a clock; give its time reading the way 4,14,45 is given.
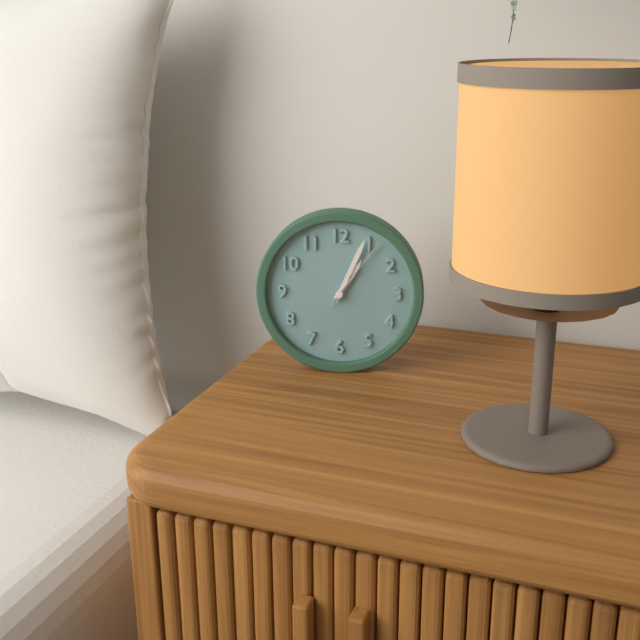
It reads 1,04,06
